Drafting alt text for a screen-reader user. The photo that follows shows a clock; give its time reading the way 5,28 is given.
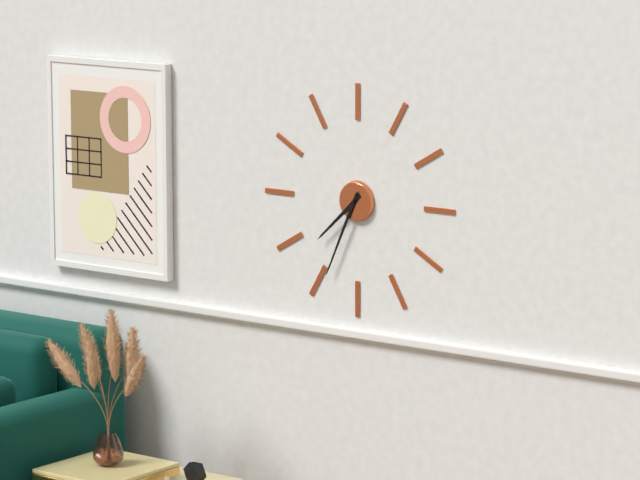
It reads 7,34
